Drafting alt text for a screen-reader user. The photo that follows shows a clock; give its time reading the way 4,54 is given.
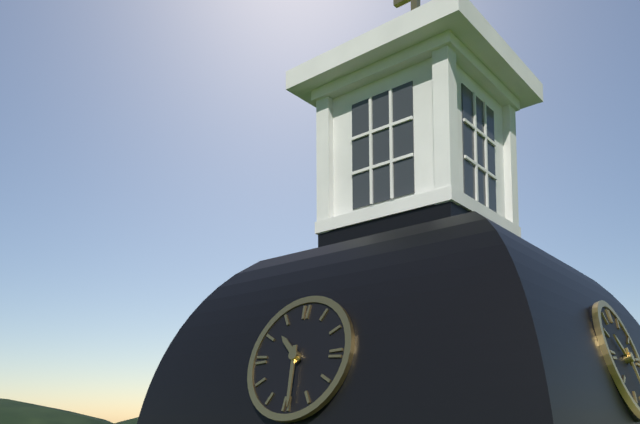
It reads 10,29
